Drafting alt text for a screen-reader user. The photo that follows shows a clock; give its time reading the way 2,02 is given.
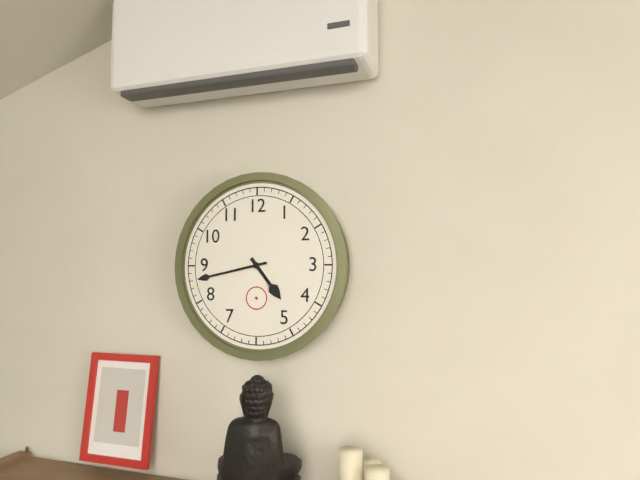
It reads 4,43
